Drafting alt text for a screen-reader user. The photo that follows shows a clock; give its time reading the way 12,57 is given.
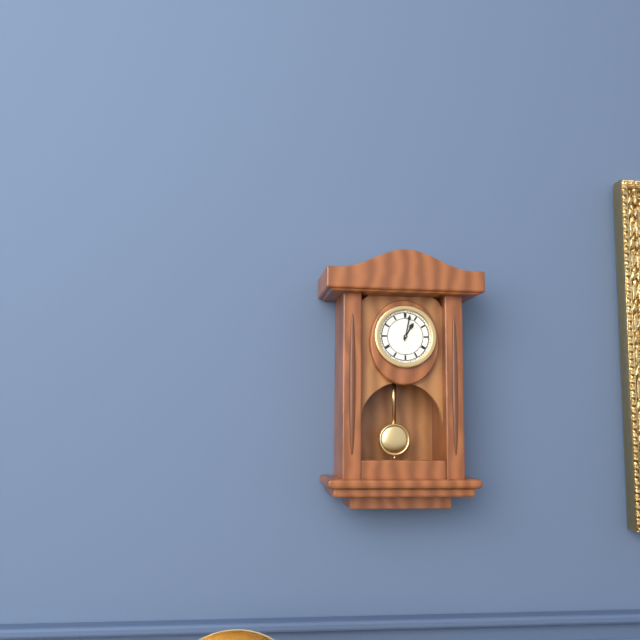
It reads 1,02
